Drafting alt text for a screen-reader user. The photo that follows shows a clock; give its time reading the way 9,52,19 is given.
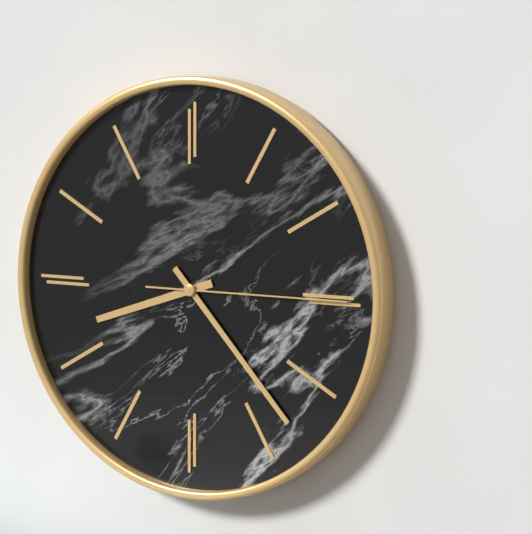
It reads 8,23,15
